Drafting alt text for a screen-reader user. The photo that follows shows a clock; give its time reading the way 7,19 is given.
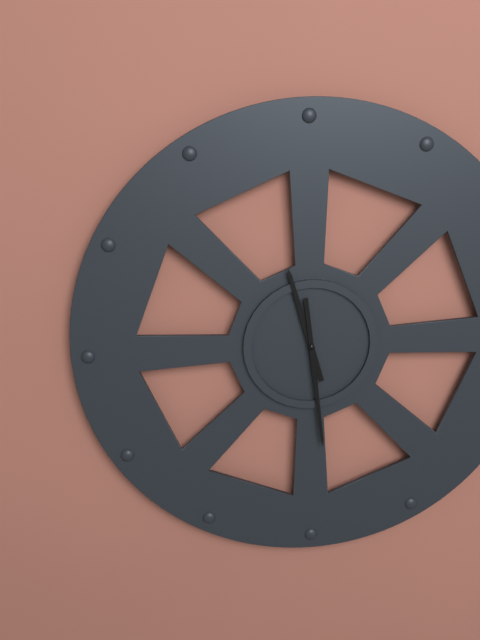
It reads 11,29
